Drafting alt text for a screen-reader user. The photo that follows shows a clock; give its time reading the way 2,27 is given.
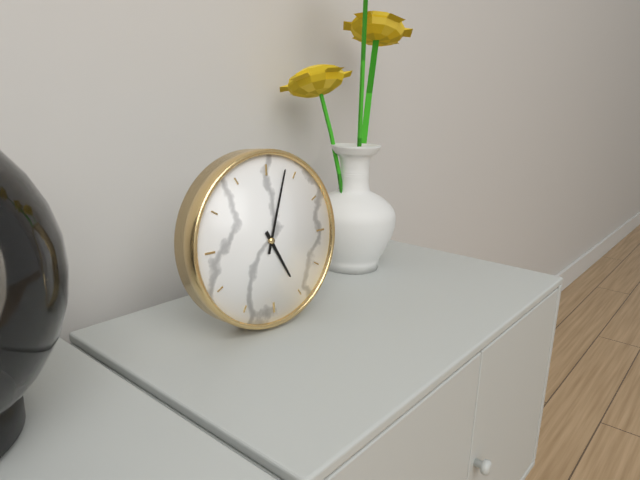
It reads 5,03
